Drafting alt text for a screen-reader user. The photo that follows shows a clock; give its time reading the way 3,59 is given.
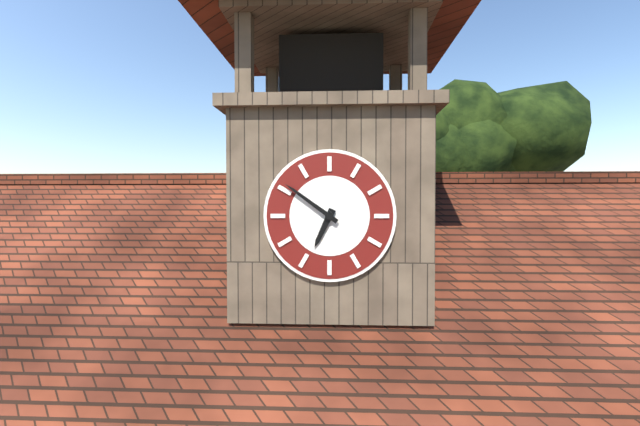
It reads 6,51
